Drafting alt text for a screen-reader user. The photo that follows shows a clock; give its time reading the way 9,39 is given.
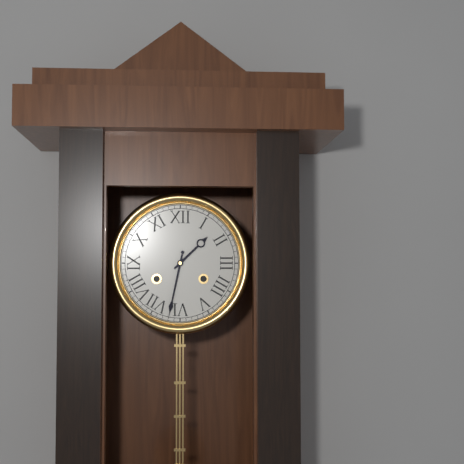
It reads 1,32
